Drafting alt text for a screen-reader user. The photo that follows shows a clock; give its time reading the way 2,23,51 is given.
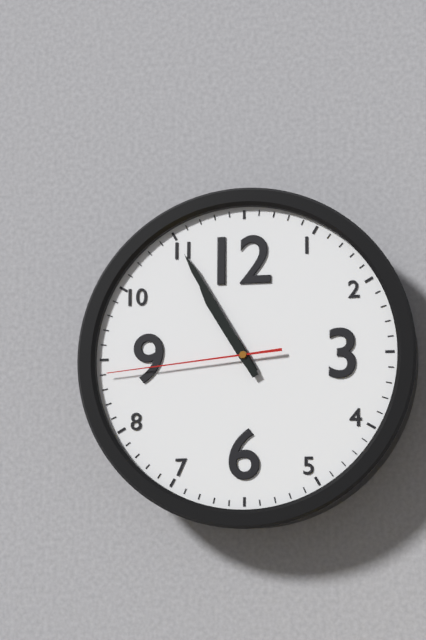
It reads 10,55,44
